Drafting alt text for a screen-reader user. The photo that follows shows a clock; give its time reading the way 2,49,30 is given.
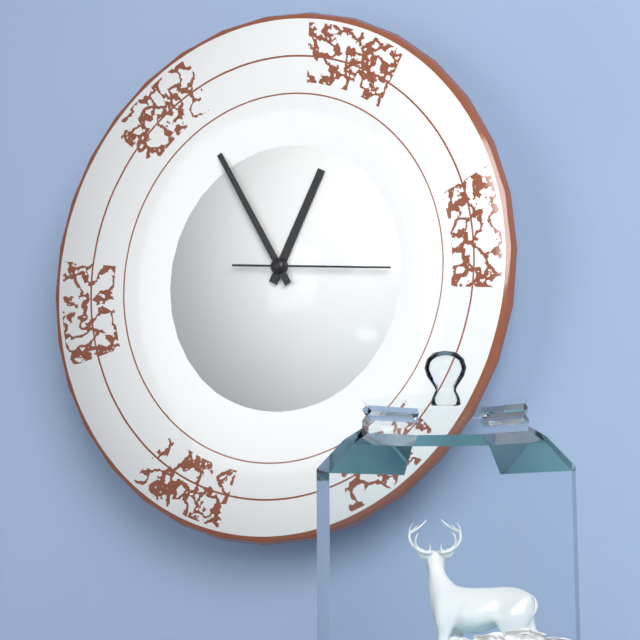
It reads 12,55,16
